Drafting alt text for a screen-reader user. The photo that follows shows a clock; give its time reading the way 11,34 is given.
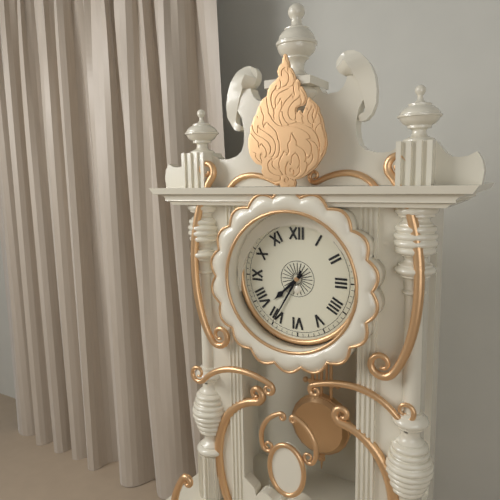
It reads 7,35
